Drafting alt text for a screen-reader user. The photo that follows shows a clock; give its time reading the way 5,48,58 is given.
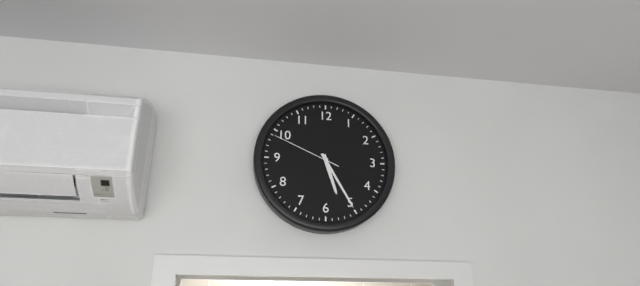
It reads 5,25,49
